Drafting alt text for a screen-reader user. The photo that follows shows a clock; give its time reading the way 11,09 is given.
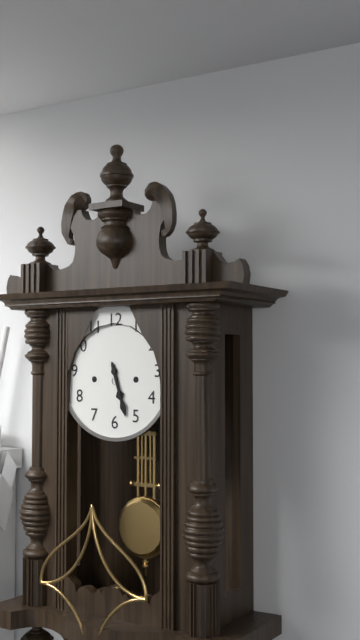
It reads 5,27
